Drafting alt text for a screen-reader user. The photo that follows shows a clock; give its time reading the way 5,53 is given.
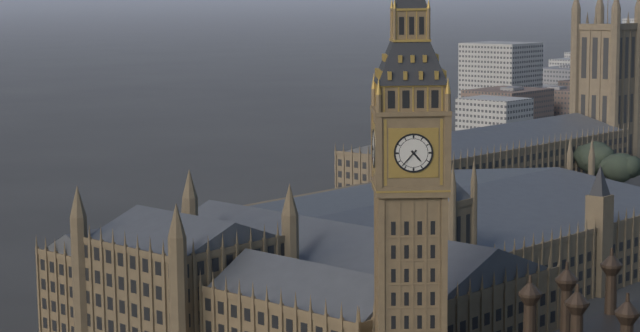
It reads 4,37
